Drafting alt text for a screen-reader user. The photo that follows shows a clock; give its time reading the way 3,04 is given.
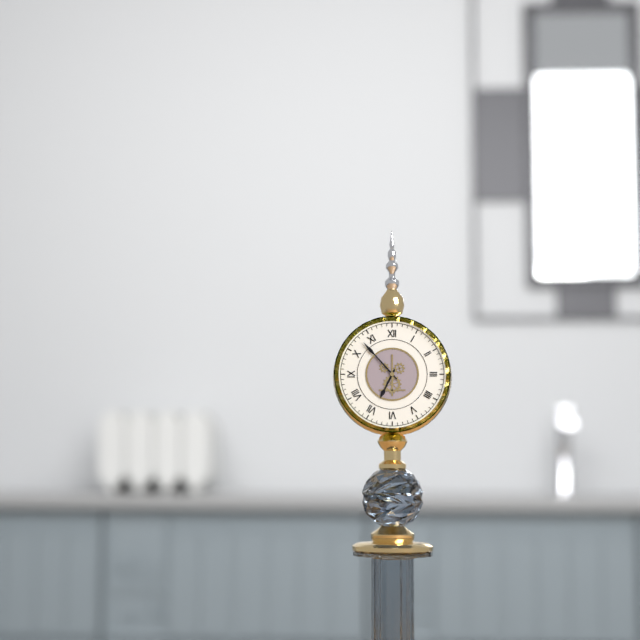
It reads 6,53
